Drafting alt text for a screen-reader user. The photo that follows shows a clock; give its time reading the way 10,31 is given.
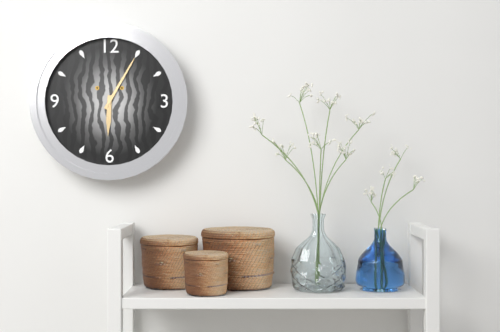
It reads 6,05
